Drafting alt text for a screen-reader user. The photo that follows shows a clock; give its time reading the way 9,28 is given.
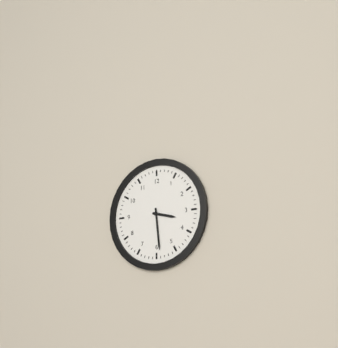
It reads 3,29
